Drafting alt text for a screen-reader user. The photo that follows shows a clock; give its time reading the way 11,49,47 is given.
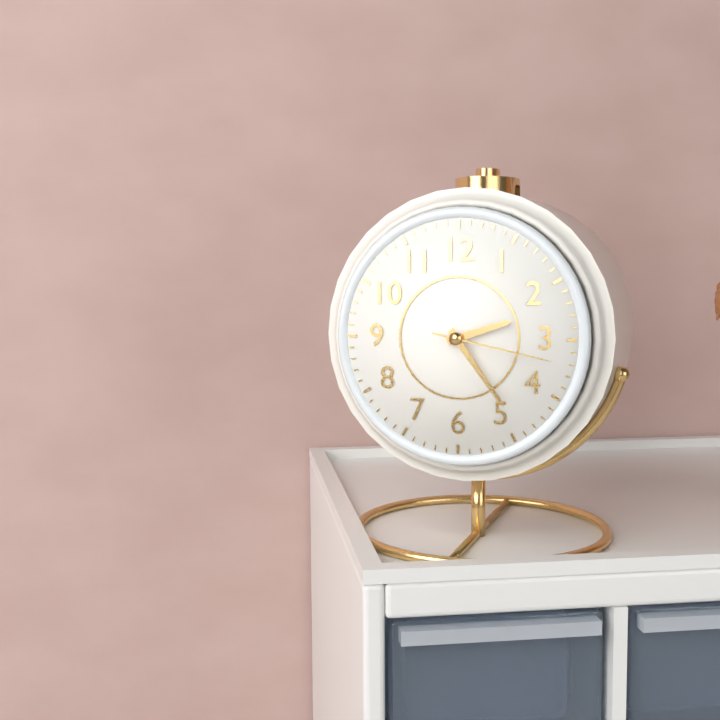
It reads 2,24,17
